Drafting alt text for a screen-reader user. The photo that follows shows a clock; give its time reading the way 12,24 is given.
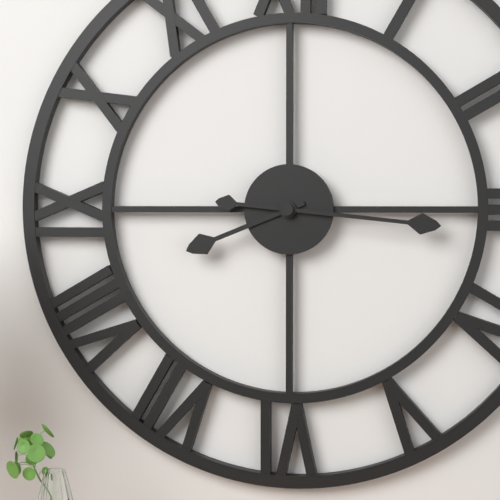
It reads 8,16
